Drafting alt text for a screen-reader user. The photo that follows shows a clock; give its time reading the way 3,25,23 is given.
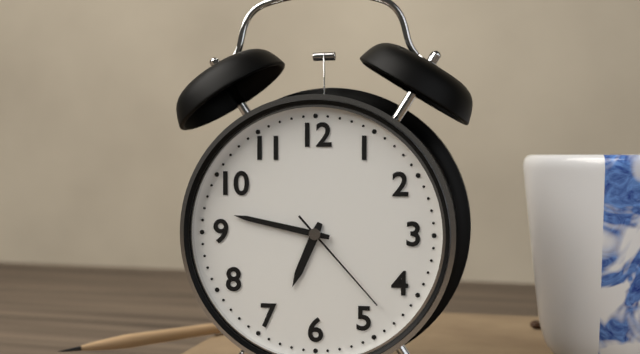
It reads 6,47,23
